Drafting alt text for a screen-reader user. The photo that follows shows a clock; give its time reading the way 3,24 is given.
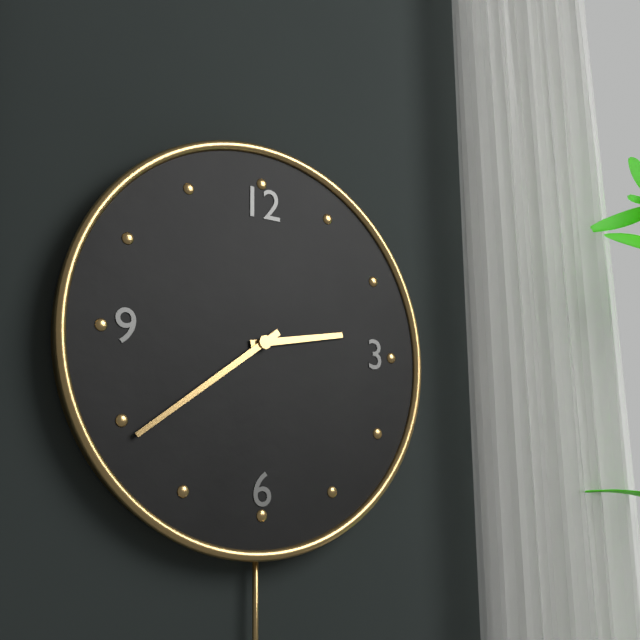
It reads 2,39
